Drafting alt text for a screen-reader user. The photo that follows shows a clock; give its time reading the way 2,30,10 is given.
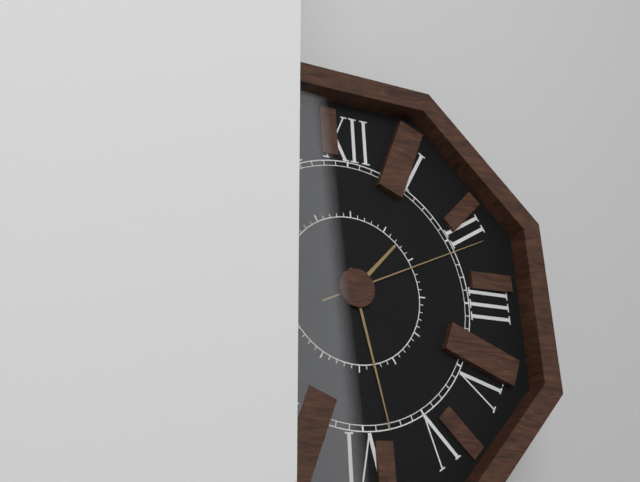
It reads 1,28,11
